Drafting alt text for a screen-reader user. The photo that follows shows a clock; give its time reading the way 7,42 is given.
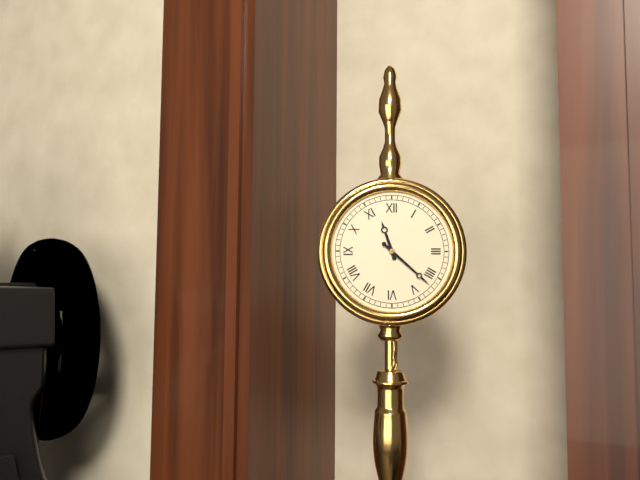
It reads 11,22
